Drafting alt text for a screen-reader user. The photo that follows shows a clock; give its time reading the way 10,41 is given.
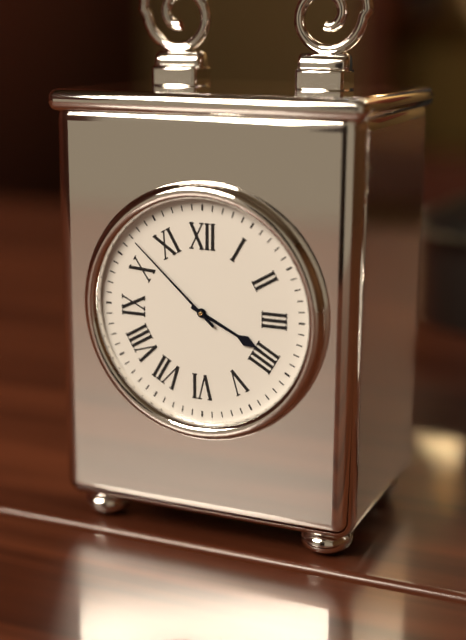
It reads 3,52
